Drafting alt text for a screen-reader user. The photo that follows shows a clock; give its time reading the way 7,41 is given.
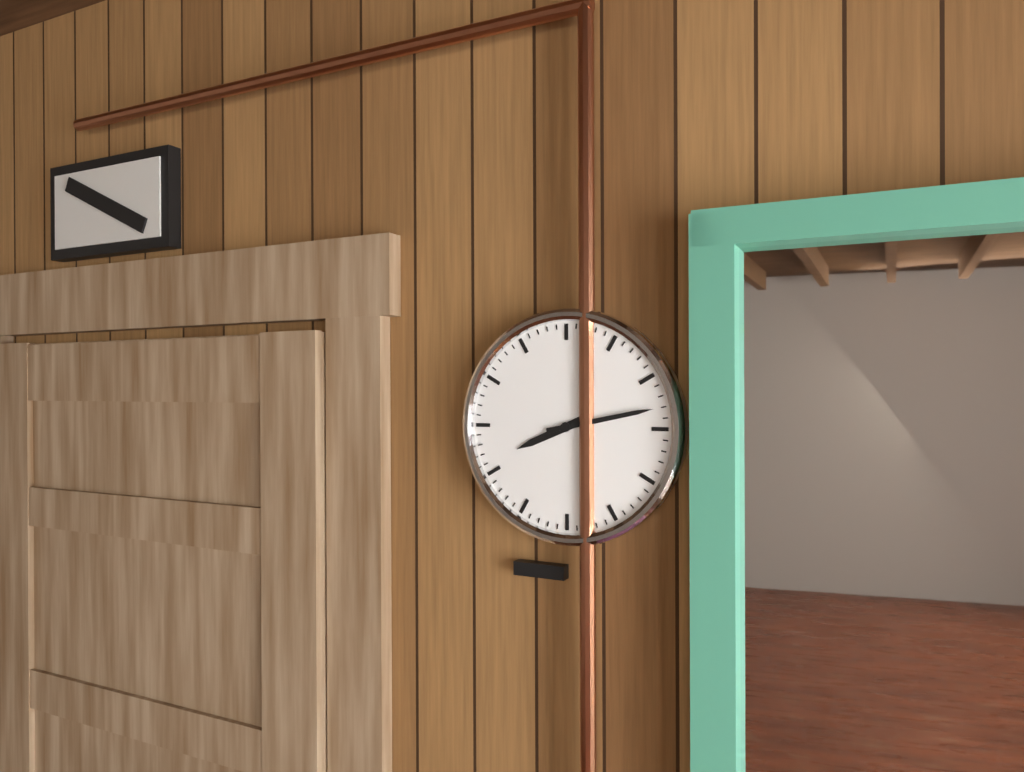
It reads 8,13
